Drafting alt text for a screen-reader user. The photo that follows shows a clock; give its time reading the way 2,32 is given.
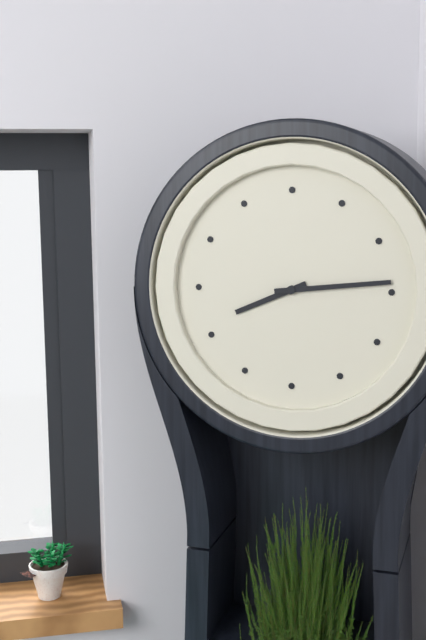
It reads 8,14
